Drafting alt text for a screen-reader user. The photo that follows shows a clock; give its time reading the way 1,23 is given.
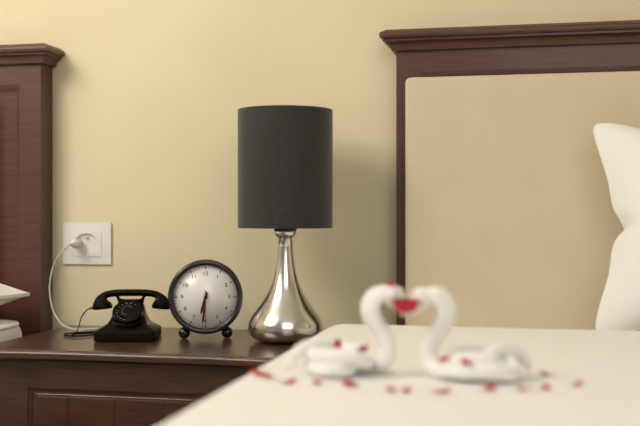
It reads 6,31
